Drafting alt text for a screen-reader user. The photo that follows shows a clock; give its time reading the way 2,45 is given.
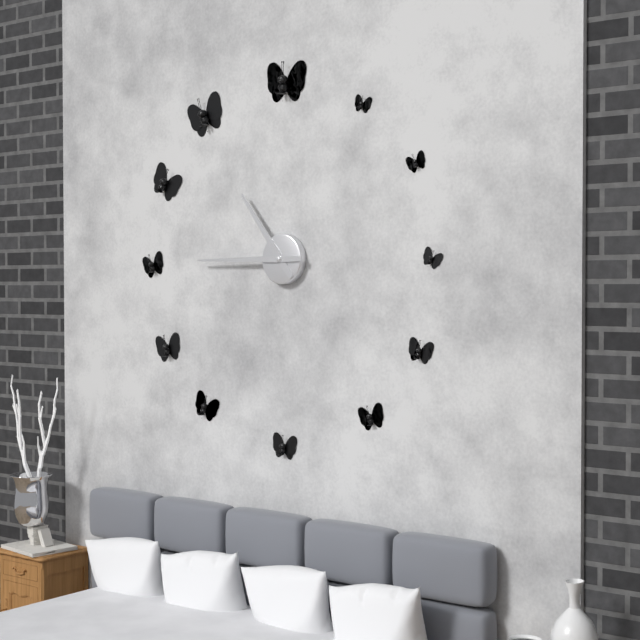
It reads 10,45
